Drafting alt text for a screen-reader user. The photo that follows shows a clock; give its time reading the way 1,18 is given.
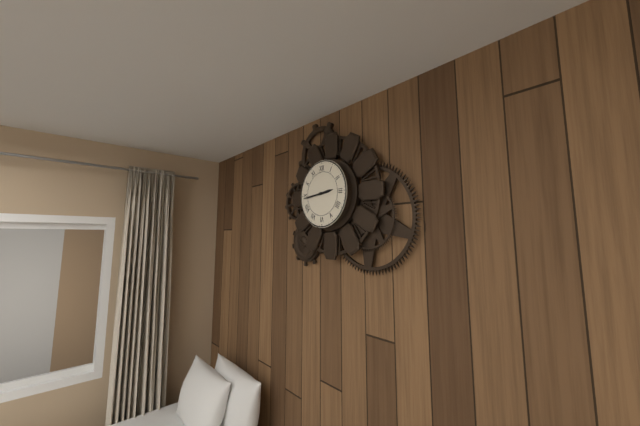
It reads 2,44
